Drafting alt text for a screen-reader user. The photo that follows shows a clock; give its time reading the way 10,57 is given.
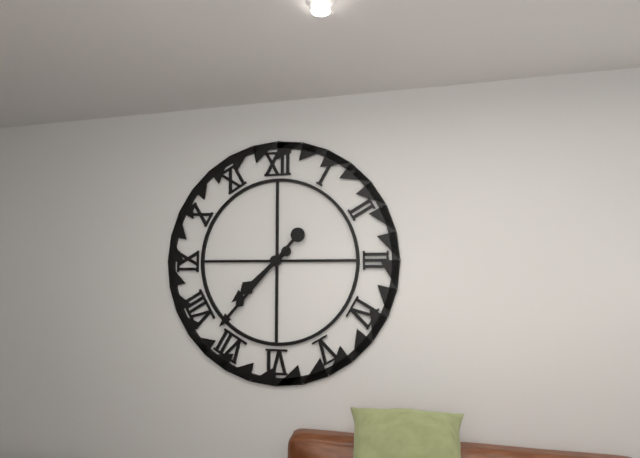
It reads 7,37
